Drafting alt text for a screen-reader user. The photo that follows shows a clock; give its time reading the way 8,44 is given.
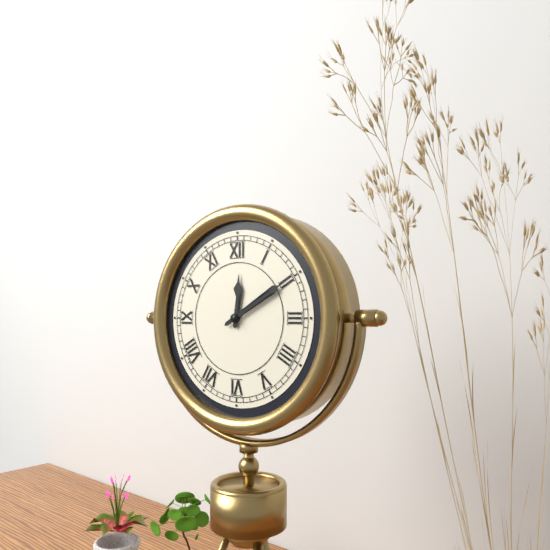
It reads 12,10
